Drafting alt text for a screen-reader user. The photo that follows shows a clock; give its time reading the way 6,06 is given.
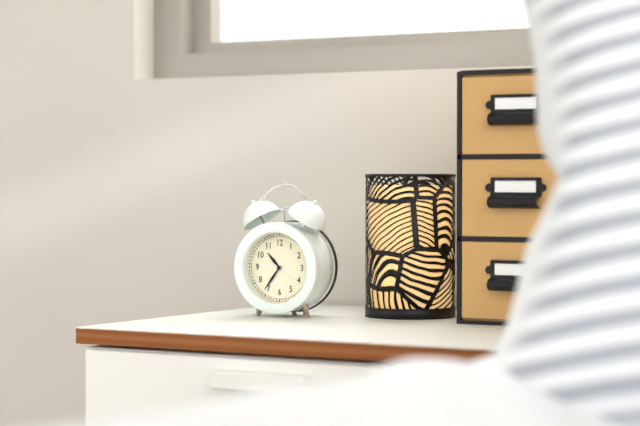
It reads 10,36
